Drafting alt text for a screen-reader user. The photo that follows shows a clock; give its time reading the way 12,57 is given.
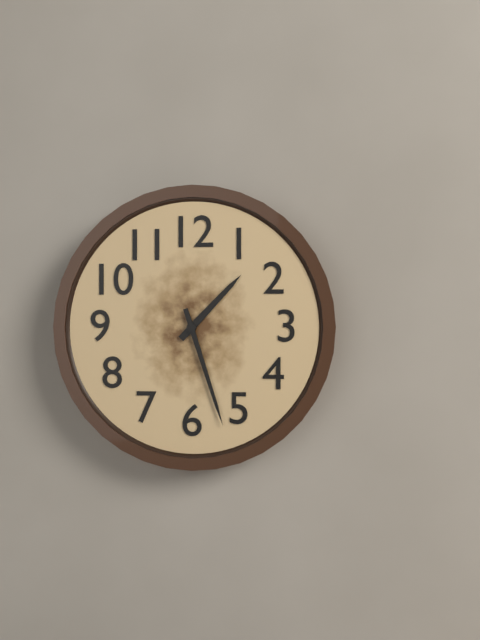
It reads 1,27
